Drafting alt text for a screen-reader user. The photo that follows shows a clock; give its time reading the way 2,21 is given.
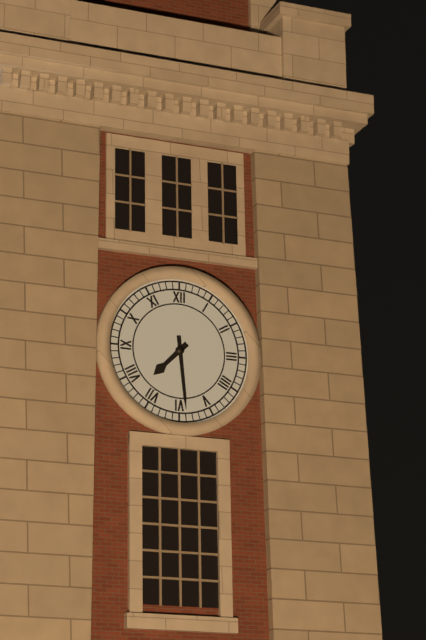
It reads 7,29
